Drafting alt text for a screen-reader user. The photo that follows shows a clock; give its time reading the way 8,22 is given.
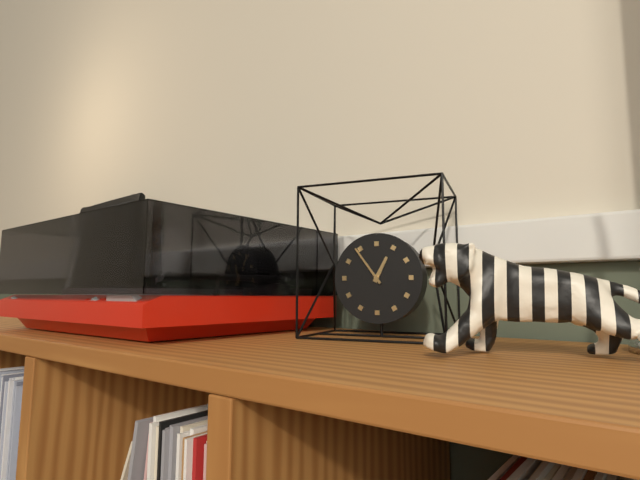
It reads 12,54
